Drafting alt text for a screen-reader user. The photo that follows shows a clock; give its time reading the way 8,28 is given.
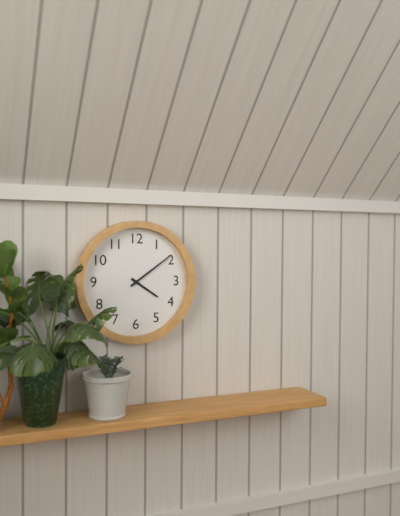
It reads 4,09
